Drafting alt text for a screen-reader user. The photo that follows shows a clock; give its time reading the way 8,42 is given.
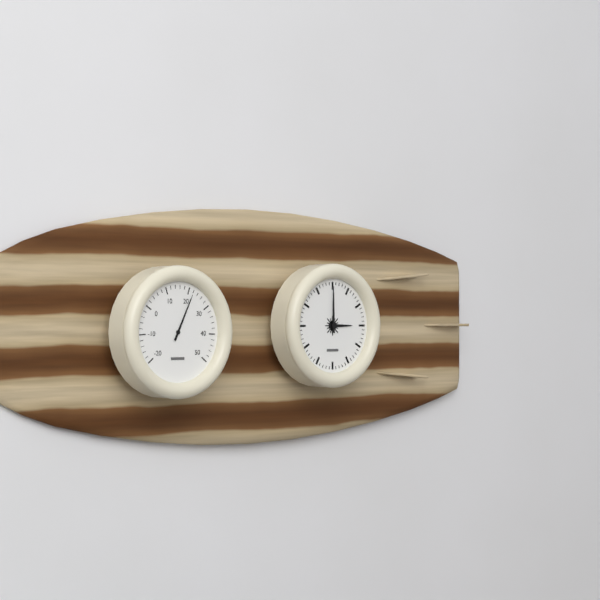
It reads 3,00
